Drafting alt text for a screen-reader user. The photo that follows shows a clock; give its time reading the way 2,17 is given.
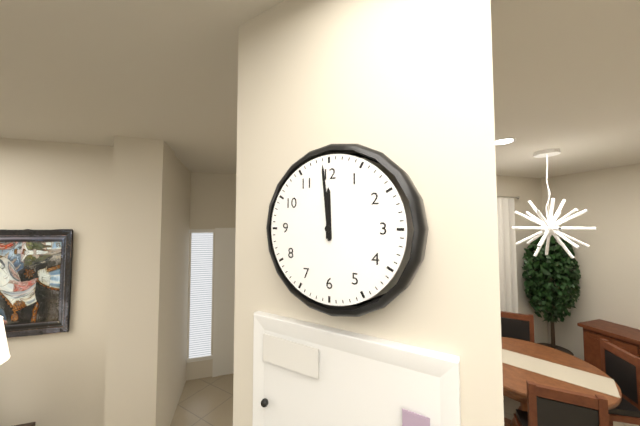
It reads 11,59
